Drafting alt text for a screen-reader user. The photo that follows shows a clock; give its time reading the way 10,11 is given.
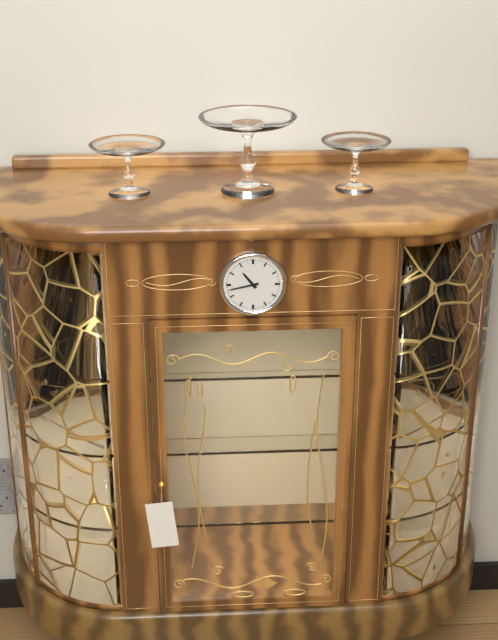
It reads 10,43
